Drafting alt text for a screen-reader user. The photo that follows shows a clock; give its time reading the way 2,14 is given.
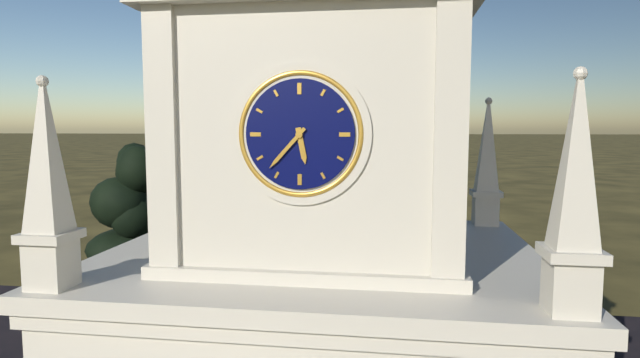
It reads 5,37
